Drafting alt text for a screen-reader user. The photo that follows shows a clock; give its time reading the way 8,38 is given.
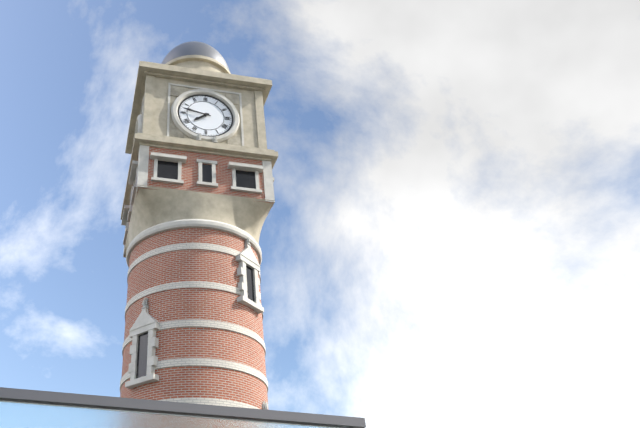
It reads 7,47
